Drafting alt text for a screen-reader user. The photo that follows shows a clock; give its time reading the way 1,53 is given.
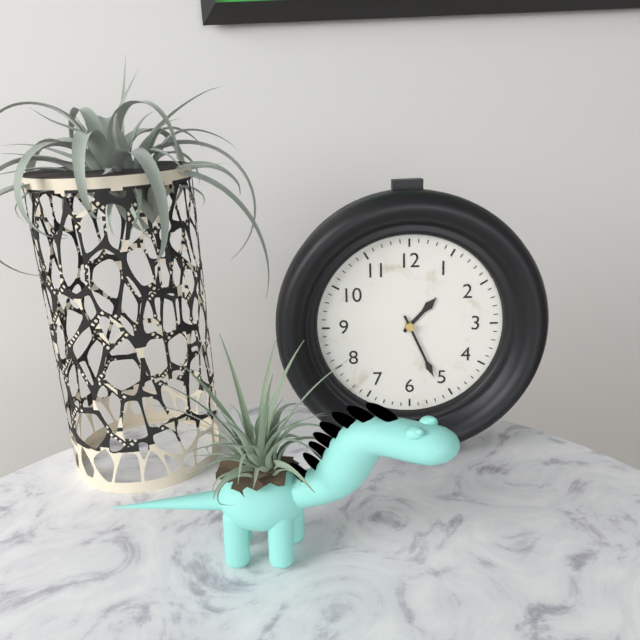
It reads 1,26
